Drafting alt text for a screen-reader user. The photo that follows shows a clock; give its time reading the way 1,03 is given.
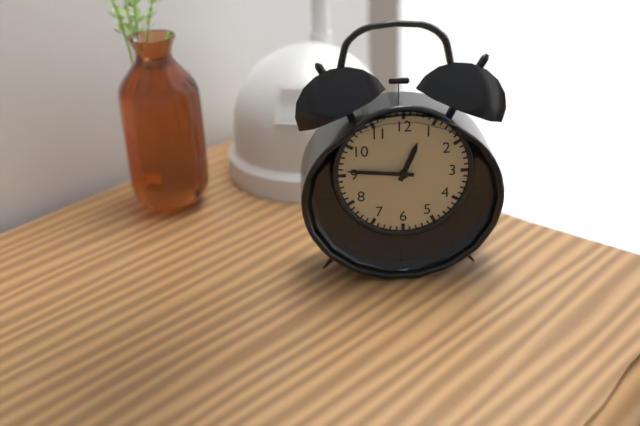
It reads 12,46
